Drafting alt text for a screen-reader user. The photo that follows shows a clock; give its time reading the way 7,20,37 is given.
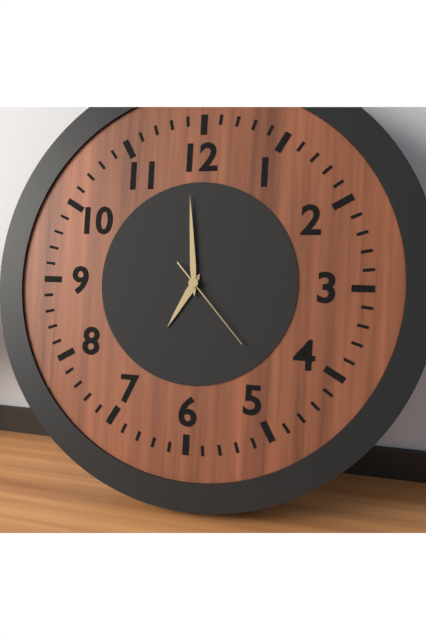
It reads 6,59,23
